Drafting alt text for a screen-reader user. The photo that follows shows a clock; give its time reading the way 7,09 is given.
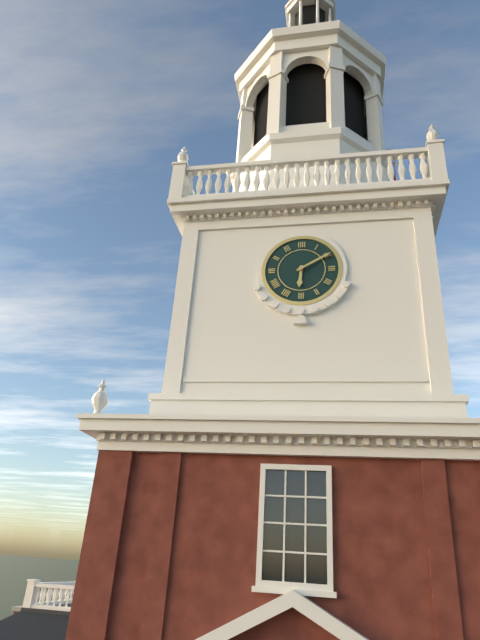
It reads 6,10
